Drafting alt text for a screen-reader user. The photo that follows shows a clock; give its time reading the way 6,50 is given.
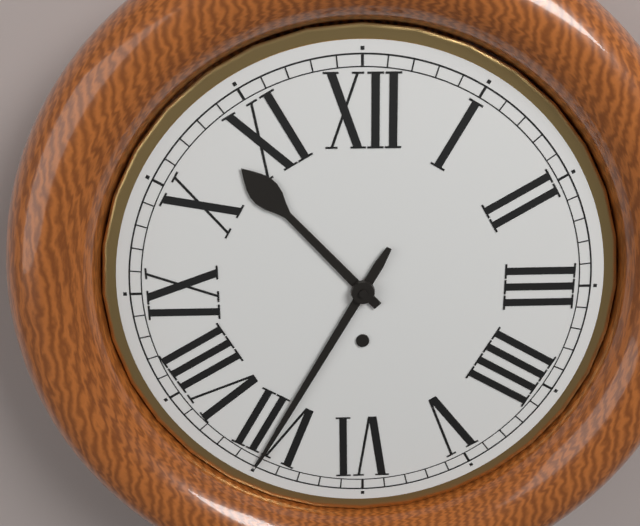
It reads 10,35
